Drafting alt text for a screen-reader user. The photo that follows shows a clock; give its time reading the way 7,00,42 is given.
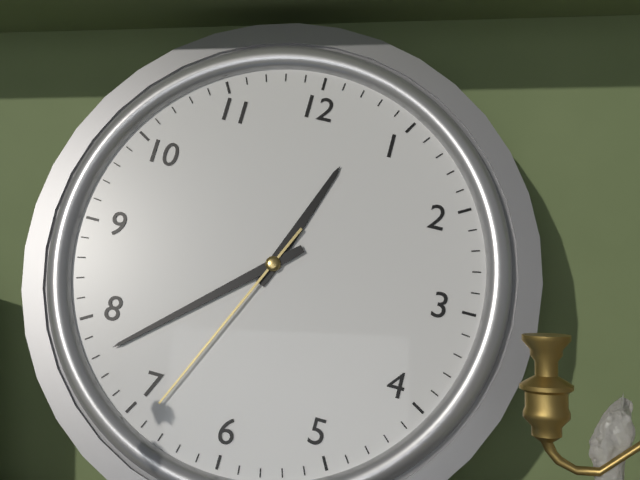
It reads 12,38,34
